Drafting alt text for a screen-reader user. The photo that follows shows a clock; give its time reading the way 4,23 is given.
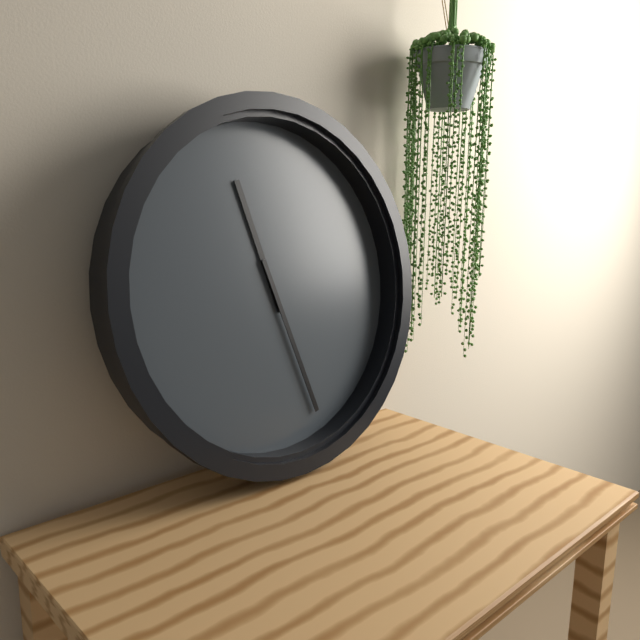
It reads 11,27
